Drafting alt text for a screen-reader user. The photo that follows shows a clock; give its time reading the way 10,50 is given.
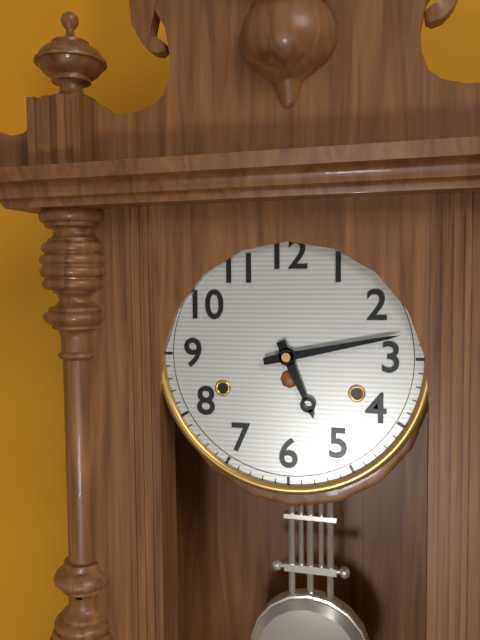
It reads 5,13
